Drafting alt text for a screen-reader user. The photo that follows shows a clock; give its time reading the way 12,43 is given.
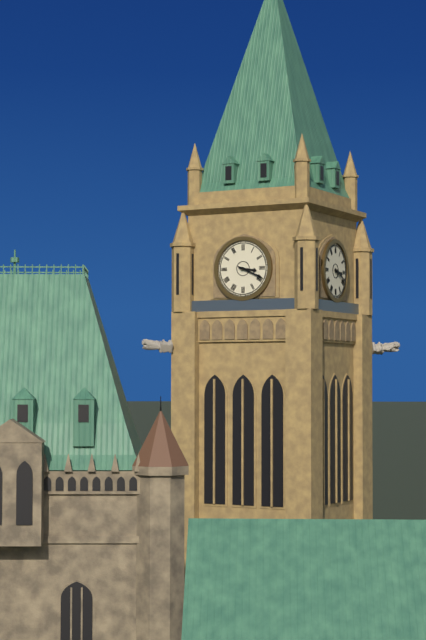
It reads 3,19
